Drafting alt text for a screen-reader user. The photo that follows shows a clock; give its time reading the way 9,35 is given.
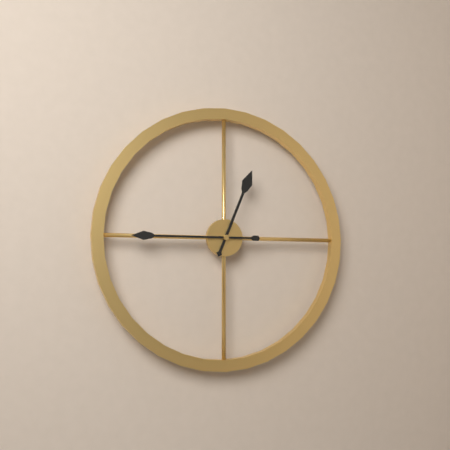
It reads 12,45
